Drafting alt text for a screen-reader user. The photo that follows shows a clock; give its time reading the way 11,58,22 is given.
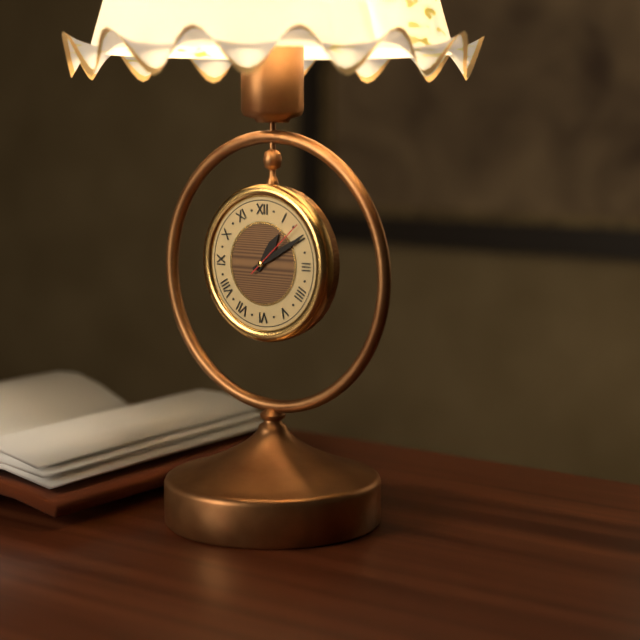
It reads 1,10,08
